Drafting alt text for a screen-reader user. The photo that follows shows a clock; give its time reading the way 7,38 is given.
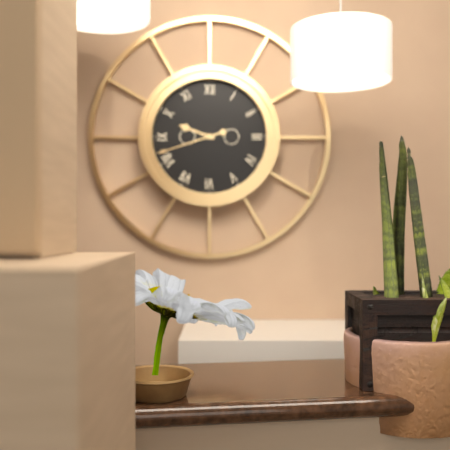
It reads 9,42
